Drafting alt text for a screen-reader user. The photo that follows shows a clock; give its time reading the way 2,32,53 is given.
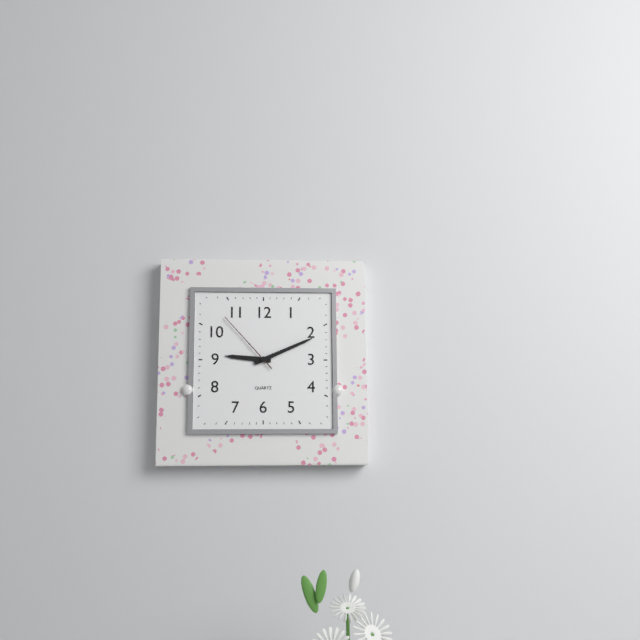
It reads 9,11,53
